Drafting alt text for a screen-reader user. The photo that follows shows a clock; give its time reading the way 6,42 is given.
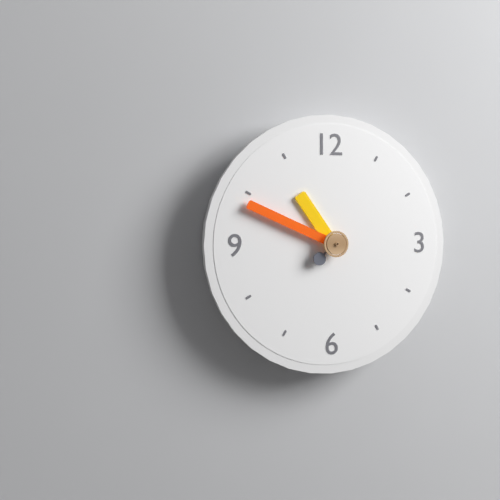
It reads 10,49
